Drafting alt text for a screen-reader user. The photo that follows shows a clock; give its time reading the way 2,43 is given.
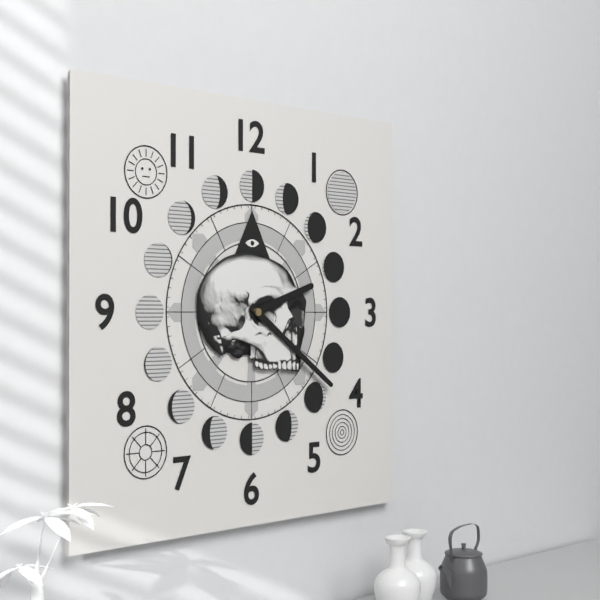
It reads 2,21
